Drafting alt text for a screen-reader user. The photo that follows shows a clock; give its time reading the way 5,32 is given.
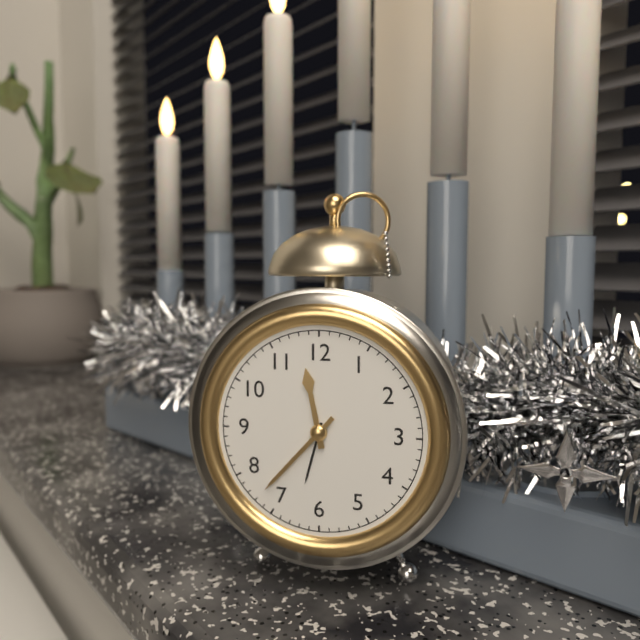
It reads 11,37
